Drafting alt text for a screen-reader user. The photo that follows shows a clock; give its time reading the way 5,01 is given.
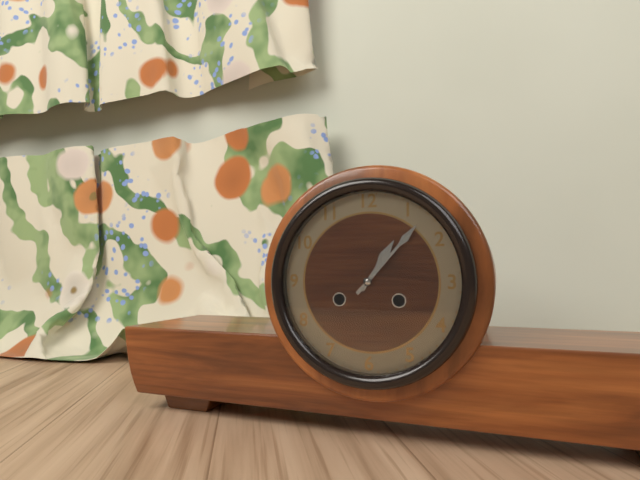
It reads 1,07
